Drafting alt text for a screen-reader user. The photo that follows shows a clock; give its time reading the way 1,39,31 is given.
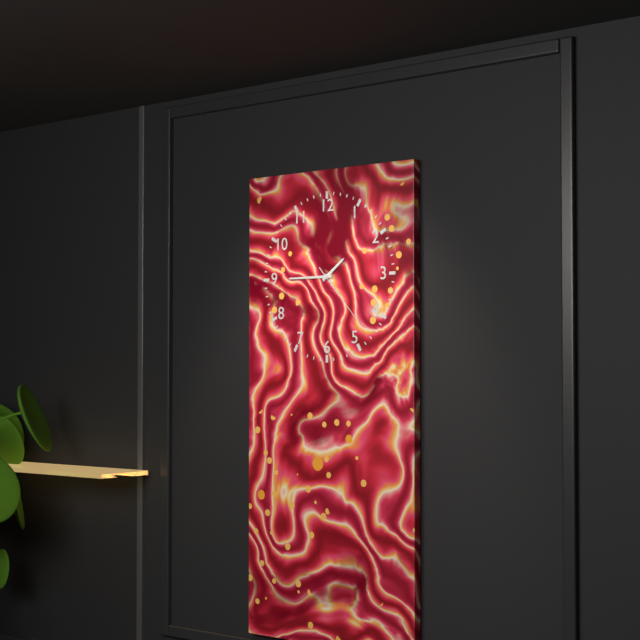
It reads 1,45,23
